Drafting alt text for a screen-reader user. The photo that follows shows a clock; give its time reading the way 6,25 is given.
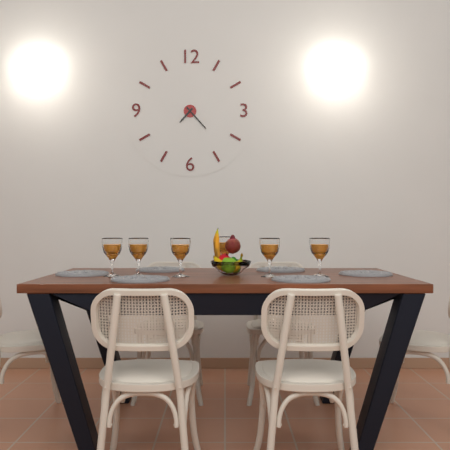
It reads 7,23
